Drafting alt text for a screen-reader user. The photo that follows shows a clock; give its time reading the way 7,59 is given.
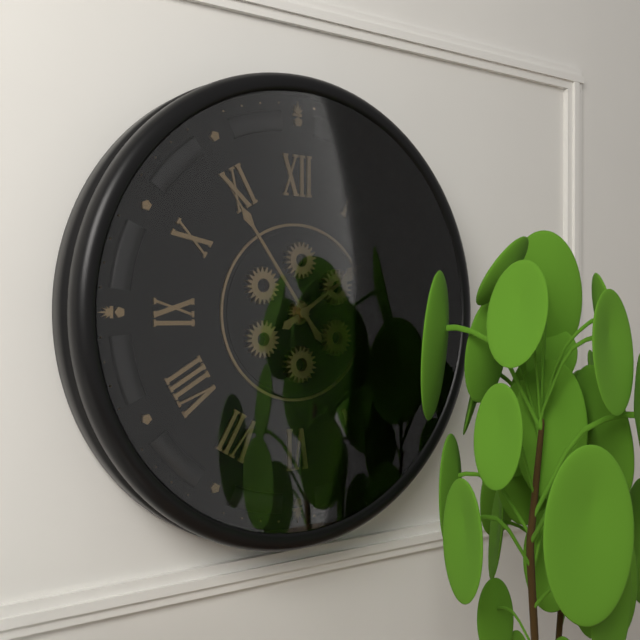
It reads 1,54
